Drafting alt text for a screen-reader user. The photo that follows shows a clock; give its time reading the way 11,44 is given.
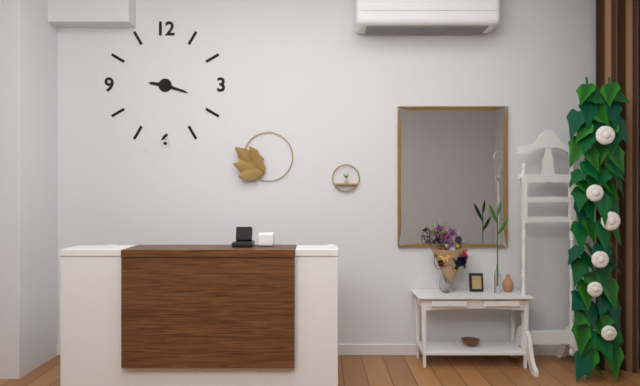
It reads 9,18
